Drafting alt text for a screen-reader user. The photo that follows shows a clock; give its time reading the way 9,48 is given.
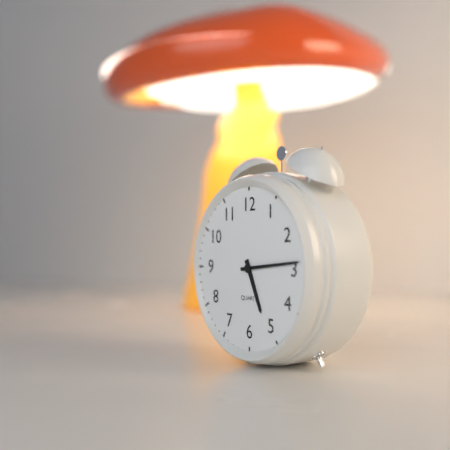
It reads 5,14
